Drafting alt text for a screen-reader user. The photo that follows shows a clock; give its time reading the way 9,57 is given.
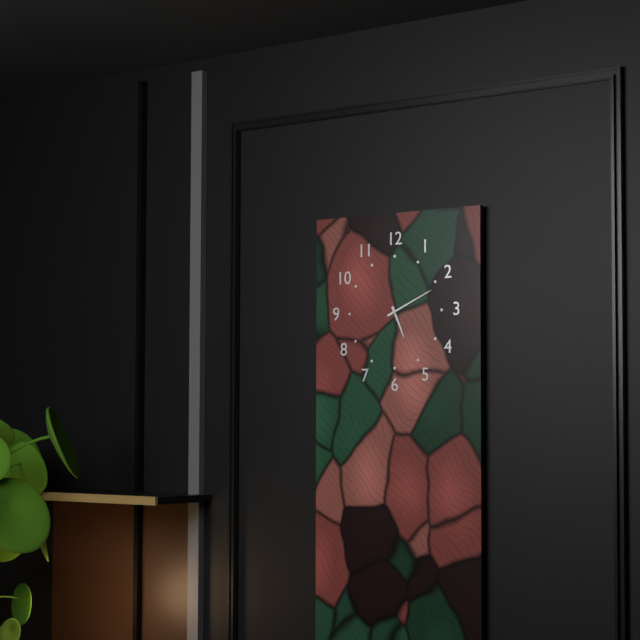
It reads 5,11
